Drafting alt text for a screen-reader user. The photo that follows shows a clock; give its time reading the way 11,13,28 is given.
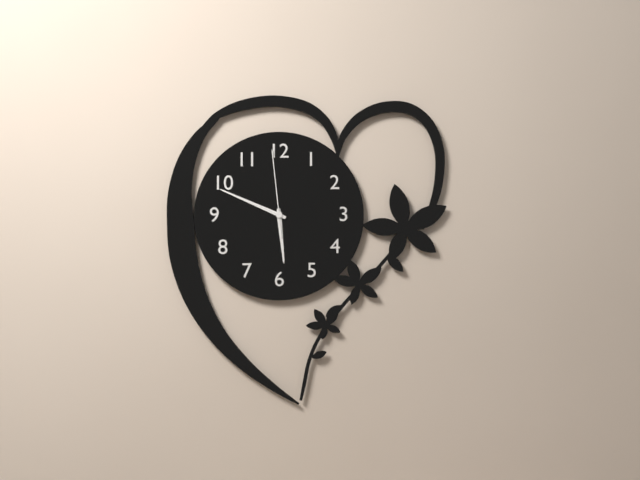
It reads 5,49,59
